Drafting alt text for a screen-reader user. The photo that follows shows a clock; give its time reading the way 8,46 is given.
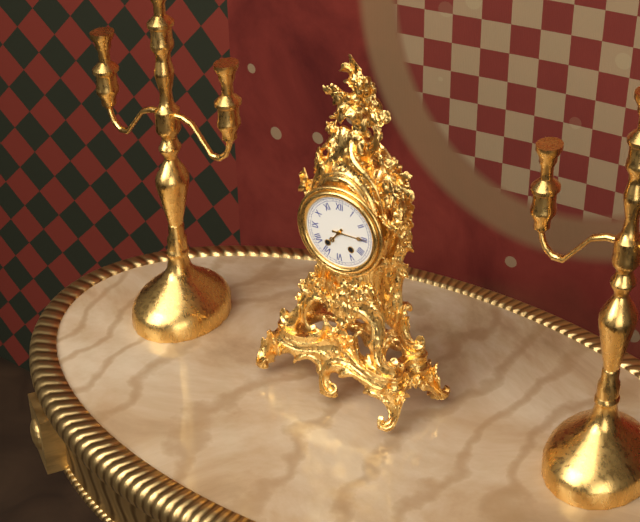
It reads 7,15
